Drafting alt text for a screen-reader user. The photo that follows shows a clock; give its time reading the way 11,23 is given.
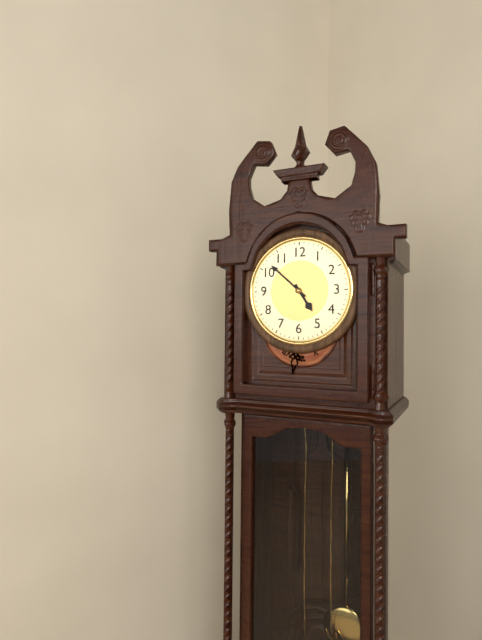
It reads 4,52
